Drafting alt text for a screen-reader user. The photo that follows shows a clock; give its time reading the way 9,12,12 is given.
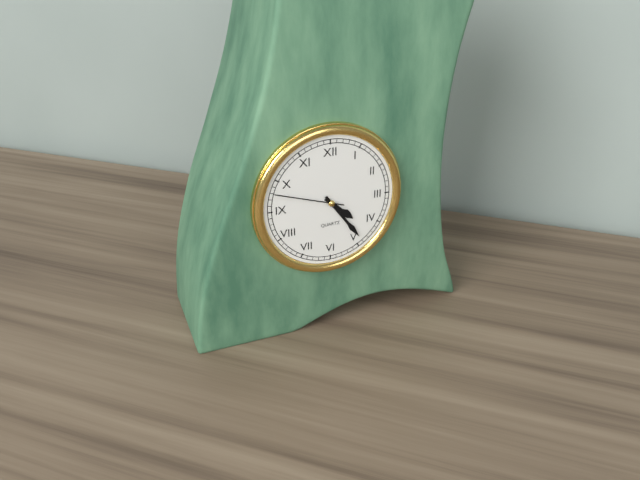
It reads 4,24,48
